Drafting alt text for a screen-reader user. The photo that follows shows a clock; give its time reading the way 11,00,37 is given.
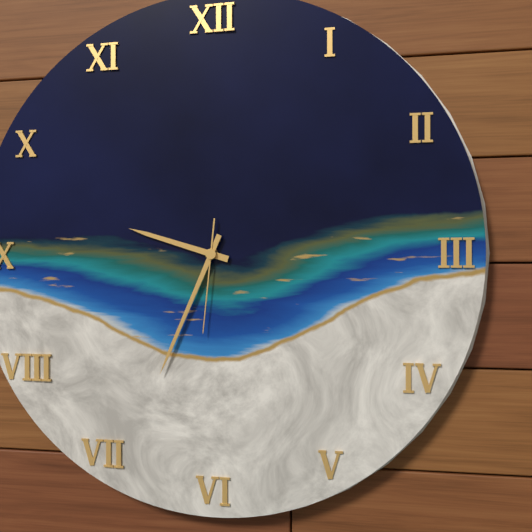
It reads 9,34,31
